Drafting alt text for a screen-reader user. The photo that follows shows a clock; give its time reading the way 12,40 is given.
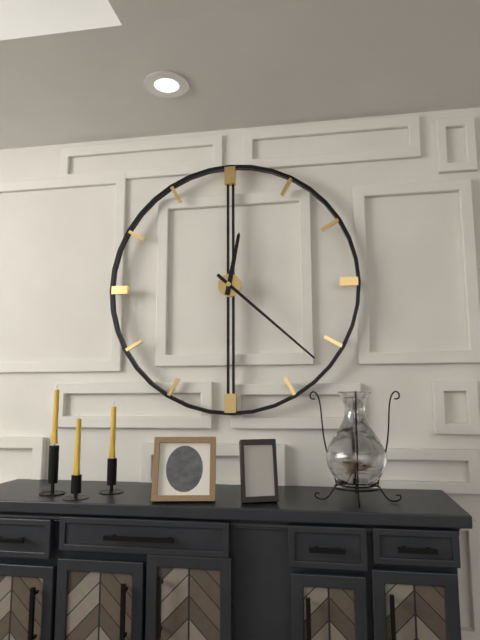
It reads 12,22
